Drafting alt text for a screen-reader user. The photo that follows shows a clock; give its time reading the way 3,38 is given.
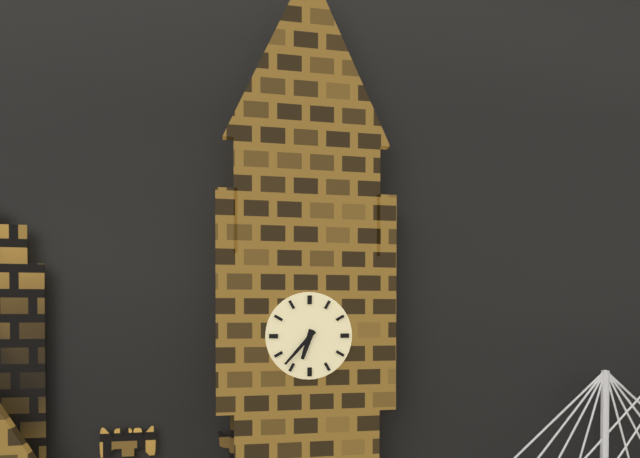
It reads 6,37
